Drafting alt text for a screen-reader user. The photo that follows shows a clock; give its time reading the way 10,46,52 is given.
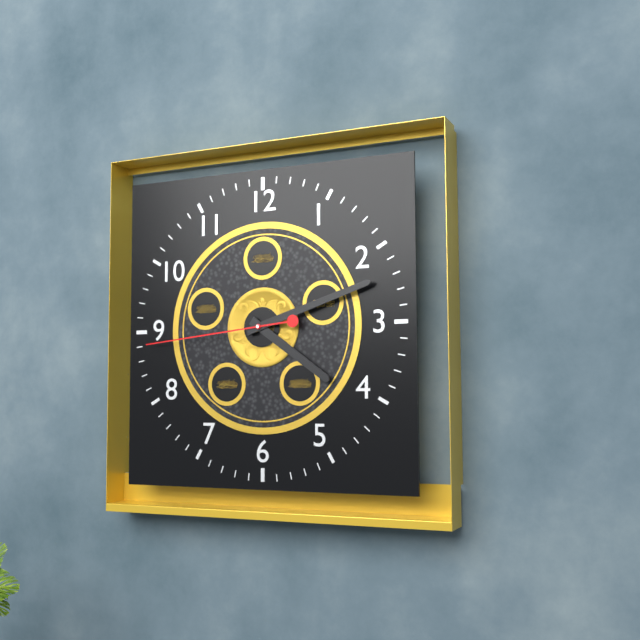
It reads 4,12,44
